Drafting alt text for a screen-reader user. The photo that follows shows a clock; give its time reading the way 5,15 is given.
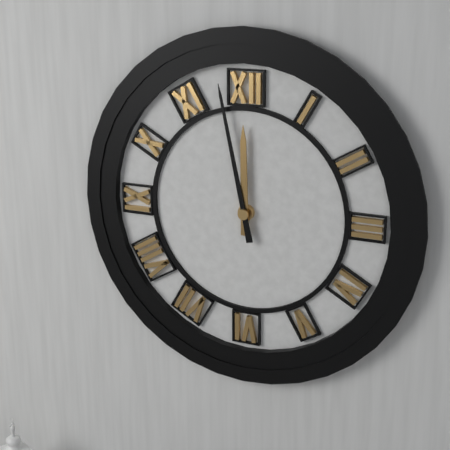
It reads 11,58
